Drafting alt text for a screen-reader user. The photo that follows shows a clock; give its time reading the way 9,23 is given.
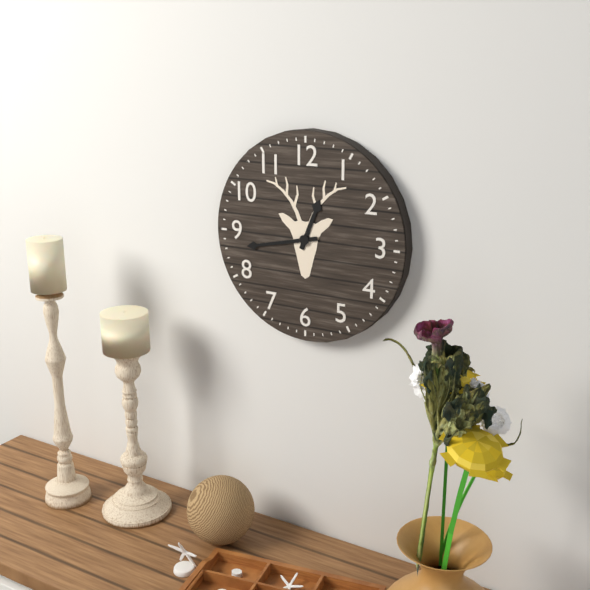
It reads 12,43
